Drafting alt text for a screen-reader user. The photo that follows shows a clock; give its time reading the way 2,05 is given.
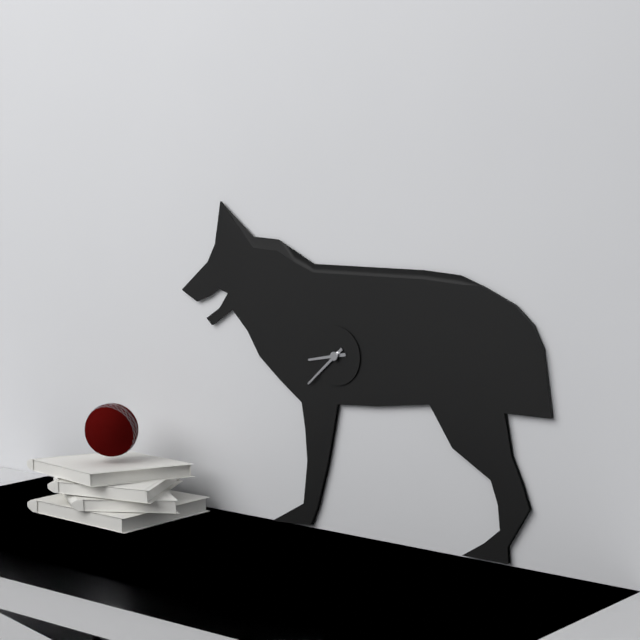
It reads 8,38
